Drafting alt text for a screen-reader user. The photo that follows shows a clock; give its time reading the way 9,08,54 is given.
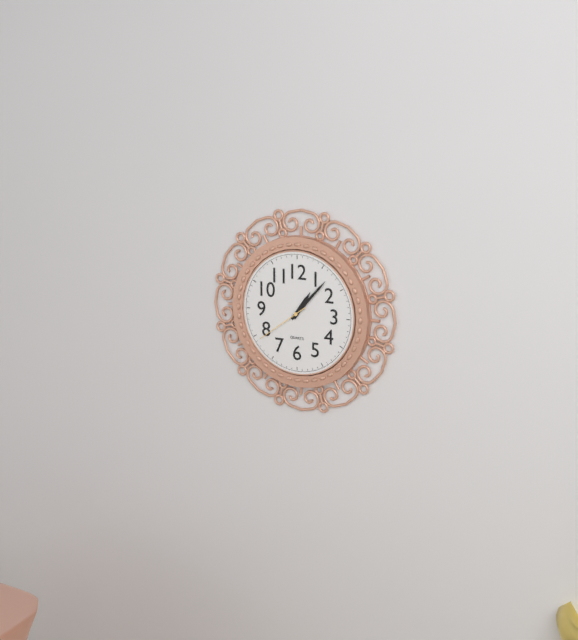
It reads 1,07,39
